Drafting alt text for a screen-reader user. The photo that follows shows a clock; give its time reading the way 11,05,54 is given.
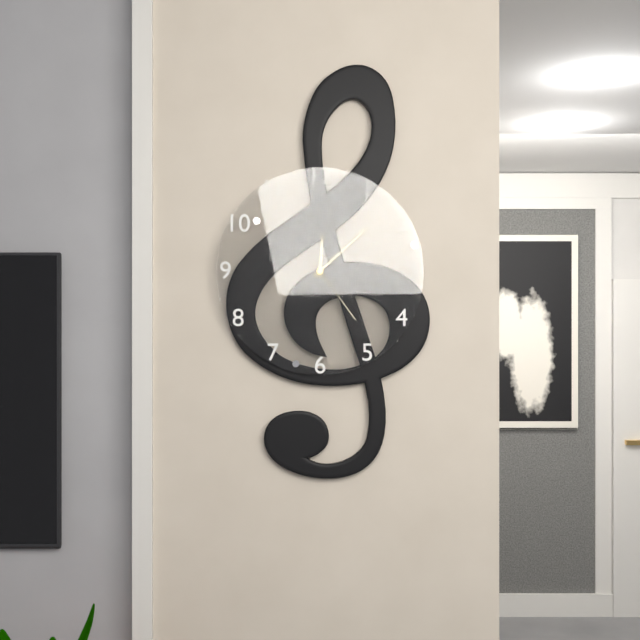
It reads 12,08,24
